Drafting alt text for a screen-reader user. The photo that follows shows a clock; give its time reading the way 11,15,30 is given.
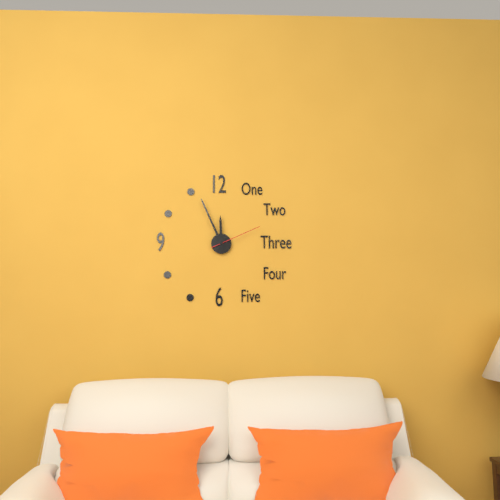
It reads 11,56,11
